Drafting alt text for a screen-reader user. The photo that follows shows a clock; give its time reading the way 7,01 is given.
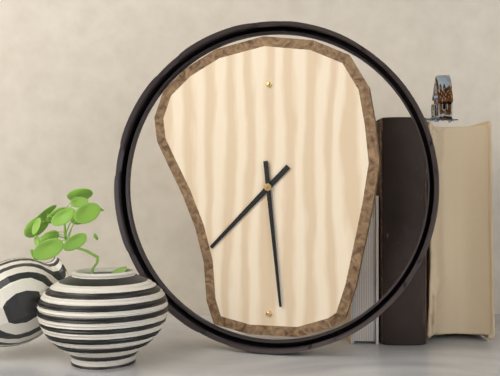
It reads 7,29
